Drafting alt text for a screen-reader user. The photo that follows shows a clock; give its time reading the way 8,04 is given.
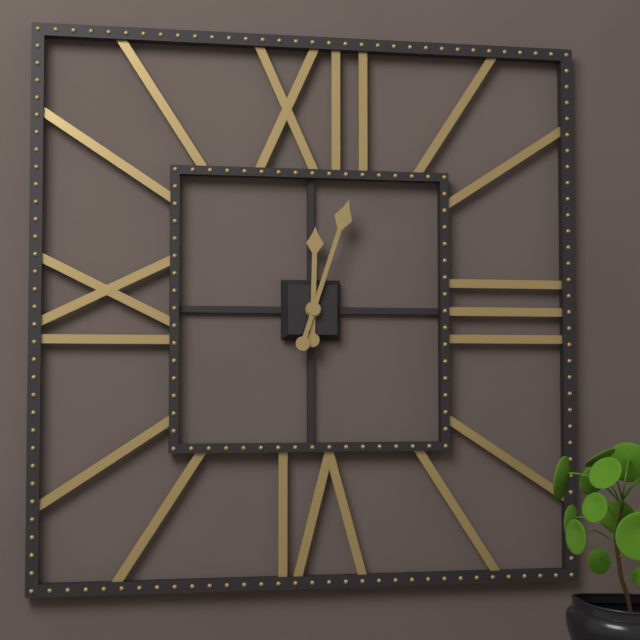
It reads 12,03
